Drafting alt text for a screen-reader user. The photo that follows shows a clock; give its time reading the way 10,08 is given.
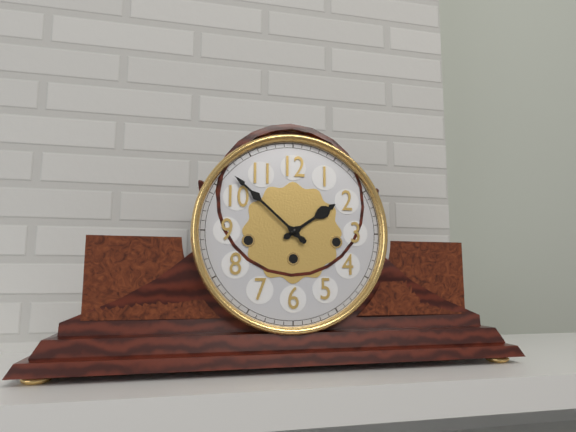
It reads 1,52
